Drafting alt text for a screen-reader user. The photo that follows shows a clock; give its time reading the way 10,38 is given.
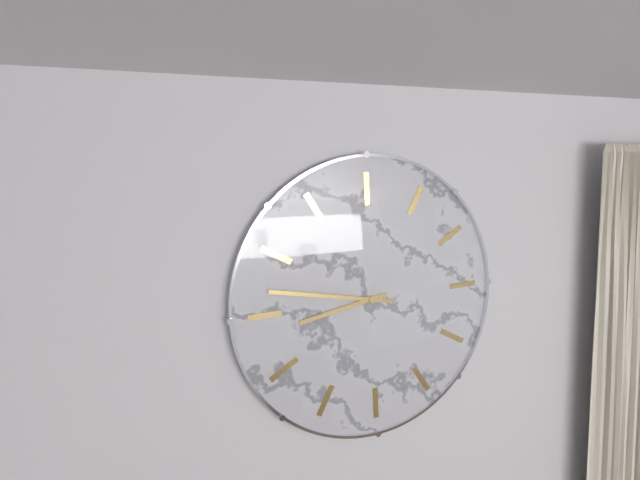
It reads 7,42
